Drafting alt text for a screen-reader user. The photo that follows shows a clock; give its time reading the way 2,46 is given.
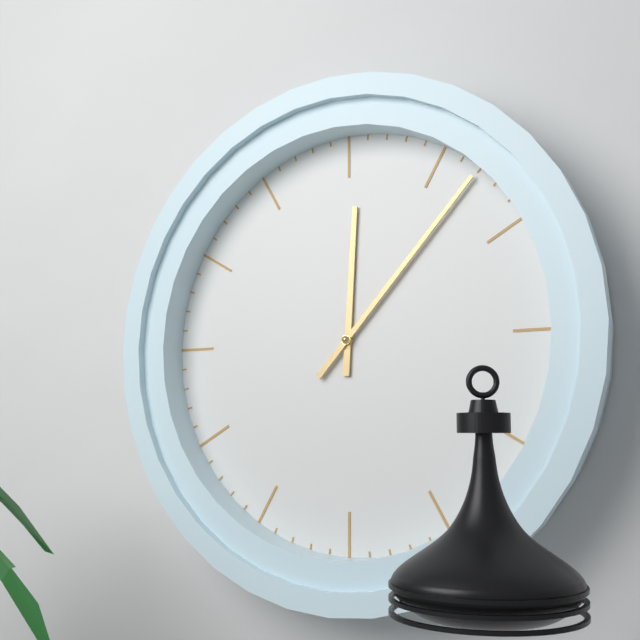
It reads 12,07
